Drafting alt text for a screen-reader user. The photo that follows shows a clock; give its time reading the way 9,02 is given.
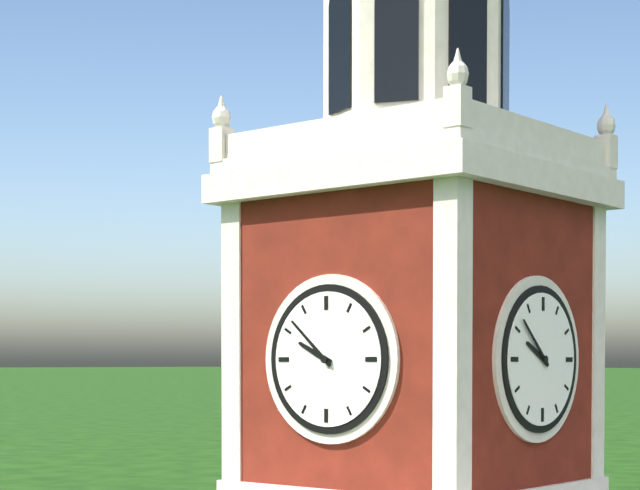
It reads 9,52
